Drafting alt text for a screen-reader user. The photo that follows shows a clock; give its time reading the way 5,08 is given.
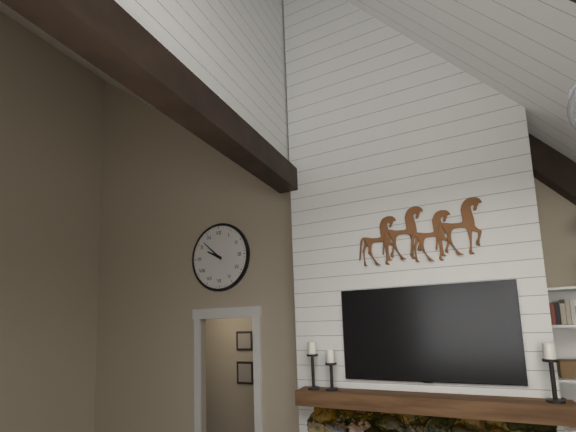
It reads 9,52
